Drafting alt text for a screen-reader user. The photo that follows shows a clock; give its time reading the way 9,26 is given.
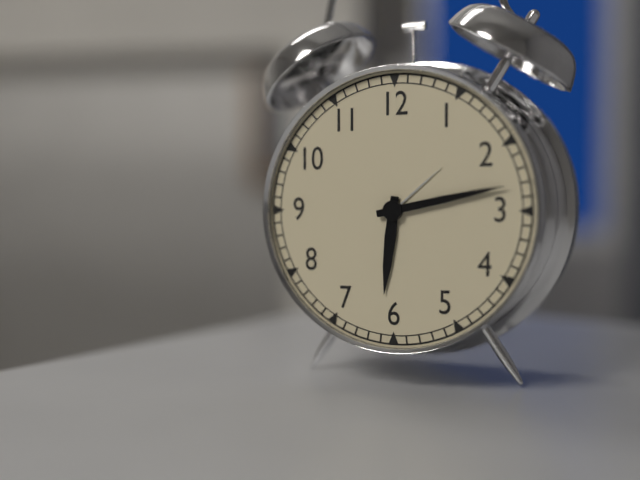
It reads 6,13
